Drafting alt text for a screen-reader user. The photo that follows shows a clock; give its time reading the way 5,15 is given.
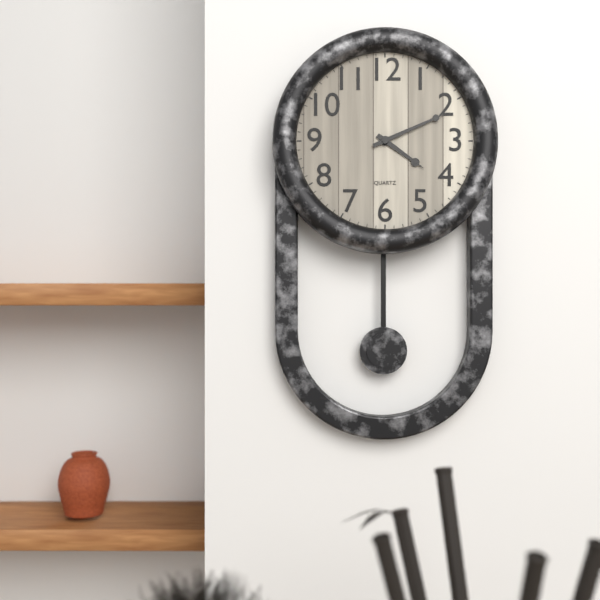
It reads 4,11
